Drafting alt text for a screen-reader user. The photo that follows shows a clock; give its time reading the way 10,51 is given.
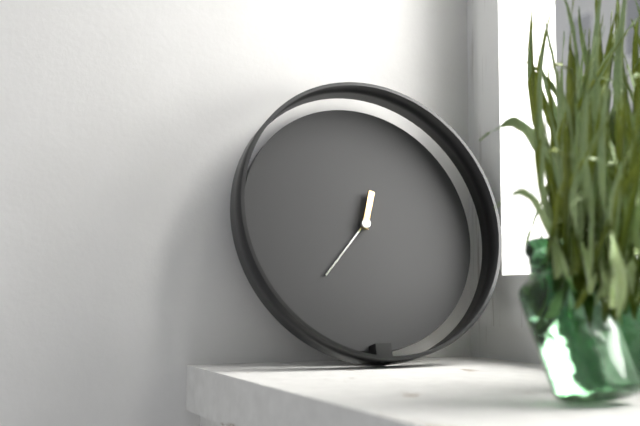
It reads 12,37
